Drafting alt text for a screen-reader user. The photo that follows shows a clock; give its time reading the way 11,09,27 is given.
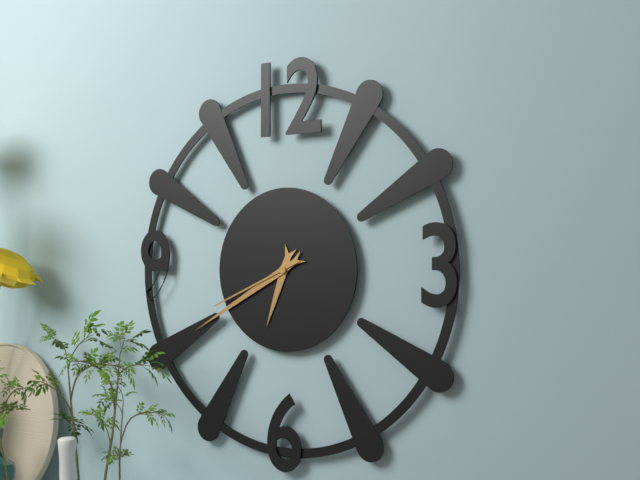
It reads 6,40,41
